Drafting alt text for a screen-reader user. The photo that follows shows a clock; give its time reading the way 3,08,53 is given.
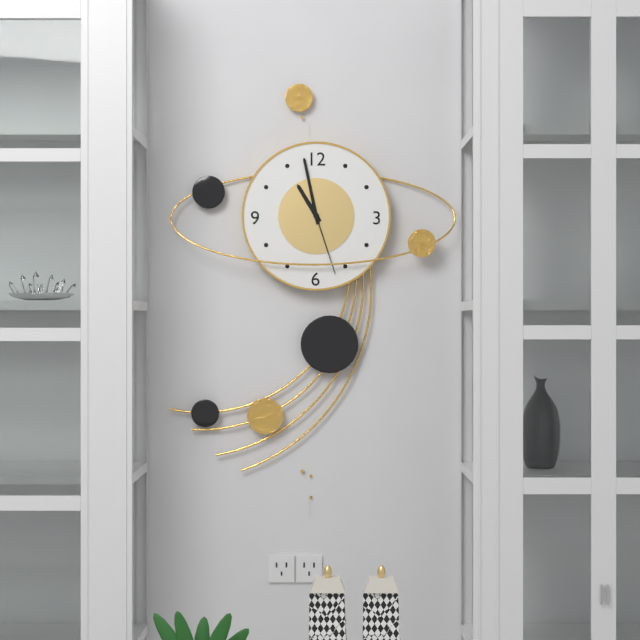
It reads 10,58,27
